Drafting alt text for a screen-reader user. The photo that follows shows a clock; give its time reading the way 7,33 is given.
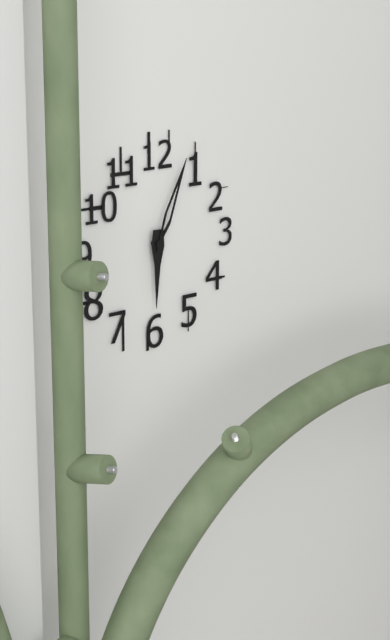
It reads 6,04
